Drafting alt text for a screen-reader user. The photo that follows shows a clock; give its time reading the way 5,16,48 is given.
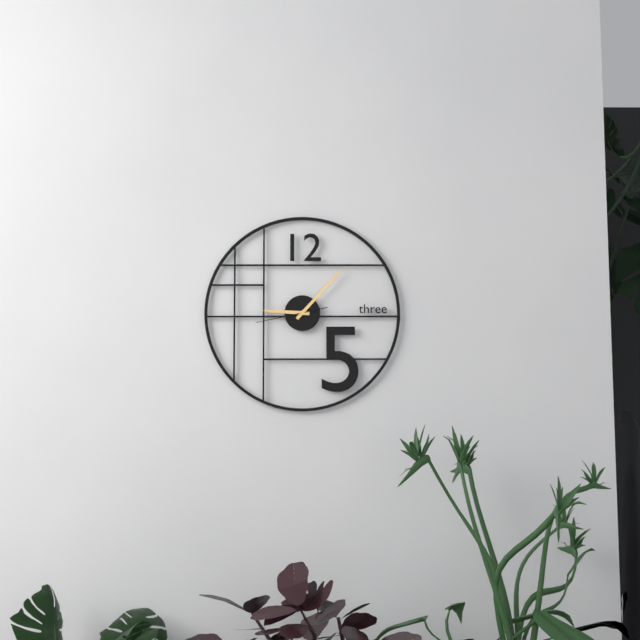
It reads 9,07,43
